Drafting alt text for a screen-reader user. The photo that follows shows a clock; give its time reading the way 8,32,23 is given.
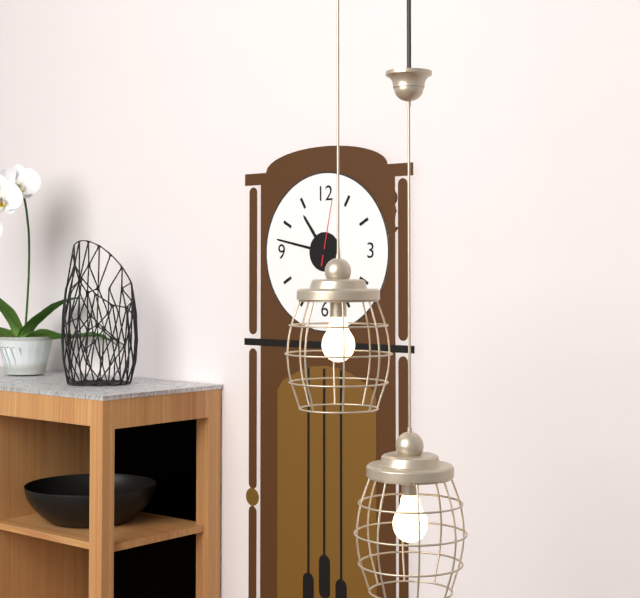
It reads 10,47,02
